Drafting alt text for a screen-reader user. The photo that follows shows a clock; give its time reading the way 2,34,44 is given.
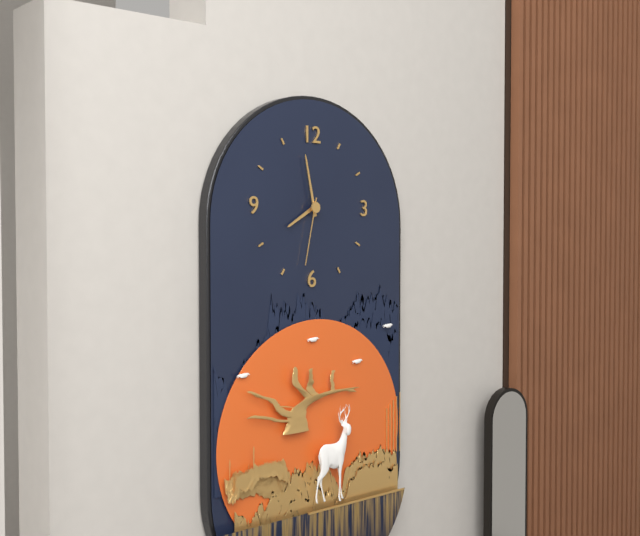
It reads 7,58,32
